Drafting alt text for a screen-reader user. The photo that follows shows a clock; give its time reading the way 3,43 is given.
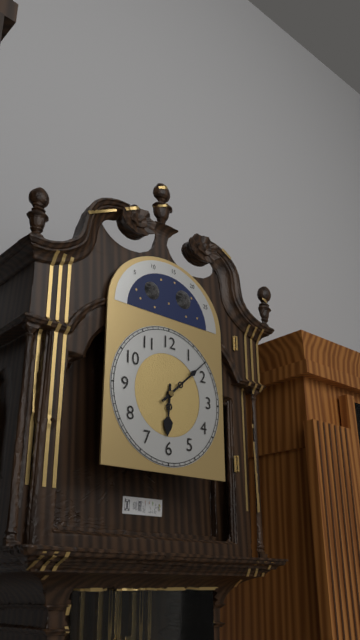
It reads 6,08
